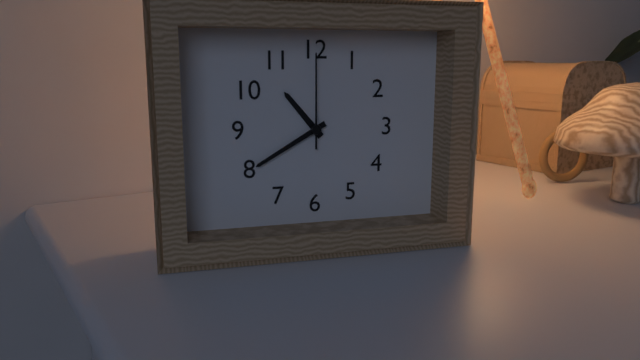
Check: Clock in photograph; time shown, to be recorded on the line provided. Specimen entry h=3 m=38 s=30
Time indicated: h=10 m=40 s=0
